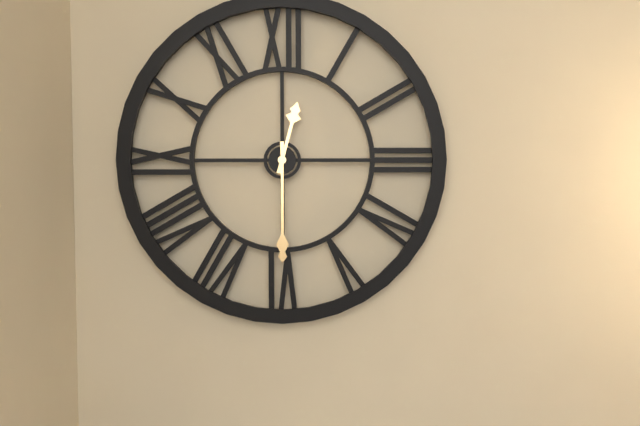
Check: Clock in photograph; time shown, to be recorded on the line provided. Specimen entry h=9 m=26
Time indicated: h=12 m=30
